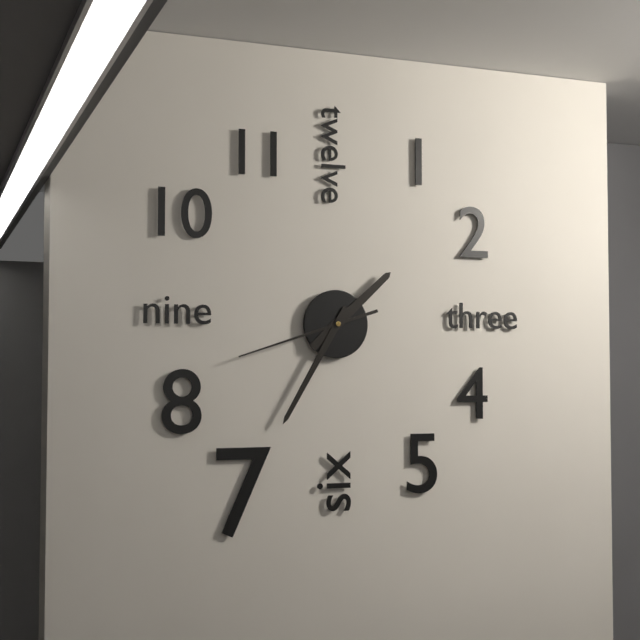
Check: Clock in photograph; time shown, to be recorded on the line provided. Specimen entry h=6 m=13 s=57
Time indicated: h=1 m=35 s=42
